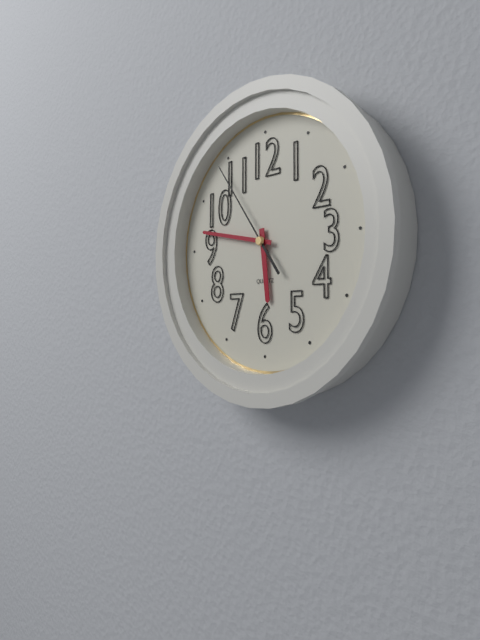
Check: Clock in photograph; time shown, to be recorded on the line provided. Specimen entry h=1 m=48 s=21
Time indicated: h=5 m=47 s=54
